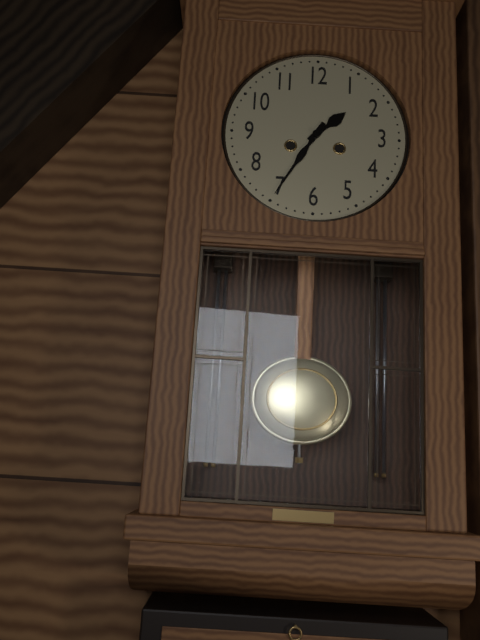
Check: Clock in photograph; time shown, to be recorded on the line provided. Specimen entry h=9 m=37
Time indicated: h=1 m=35
